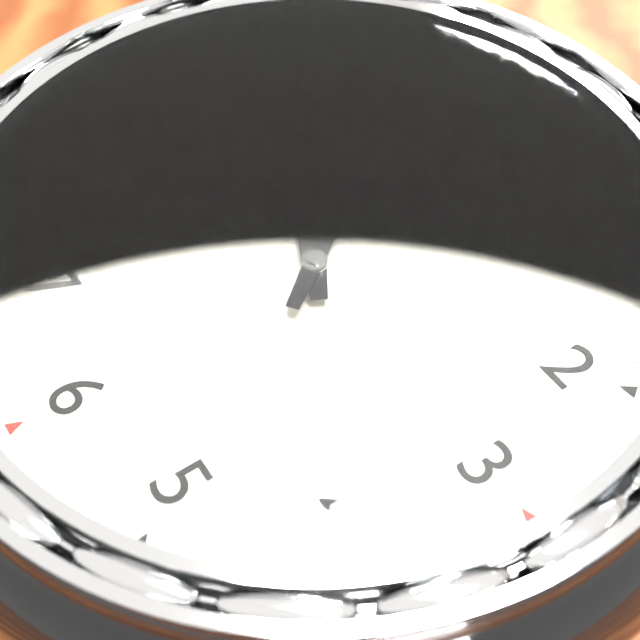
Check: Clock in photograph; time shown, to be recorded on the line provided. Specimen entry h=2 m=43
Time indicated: h=9 m=54
